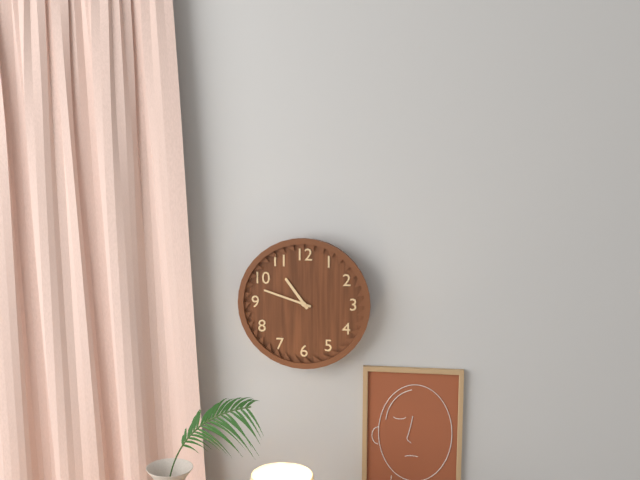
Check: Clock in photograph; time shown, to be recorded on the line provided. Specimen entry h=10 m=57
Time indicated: h=10 m=48
